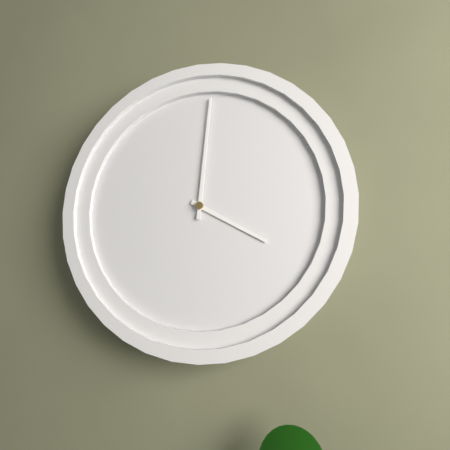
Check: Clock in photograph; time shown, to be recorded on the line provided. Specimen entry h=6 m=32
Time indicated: h=4 m=1
